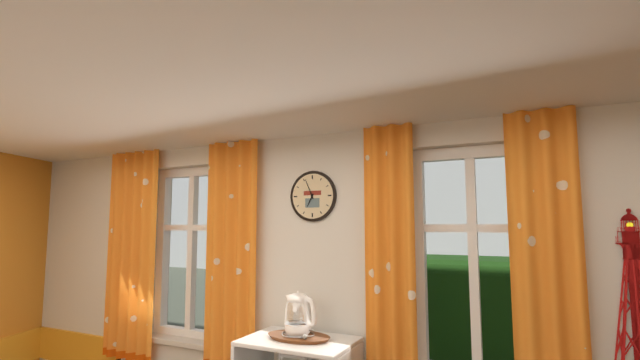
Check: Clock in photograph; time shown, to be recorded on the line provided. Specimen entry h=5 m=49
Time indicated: h=6 m=56
